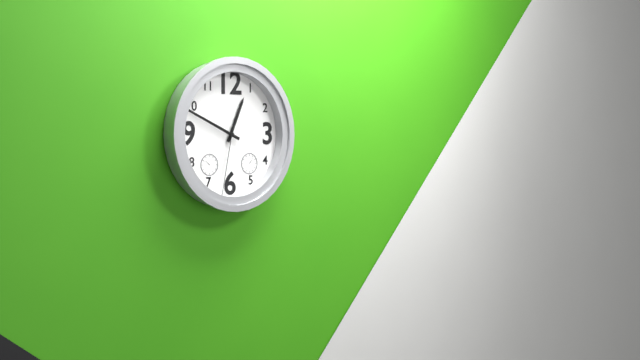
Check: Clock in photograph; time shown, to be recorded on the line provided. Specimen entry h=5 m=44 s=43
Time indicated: h=12 m=49 s=32
